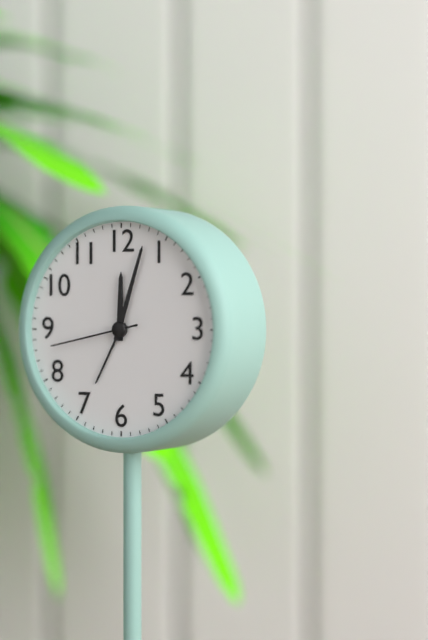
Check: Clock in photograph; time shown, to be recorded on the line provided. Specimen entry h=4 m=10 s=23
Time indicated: h=12 m=3 s=43
